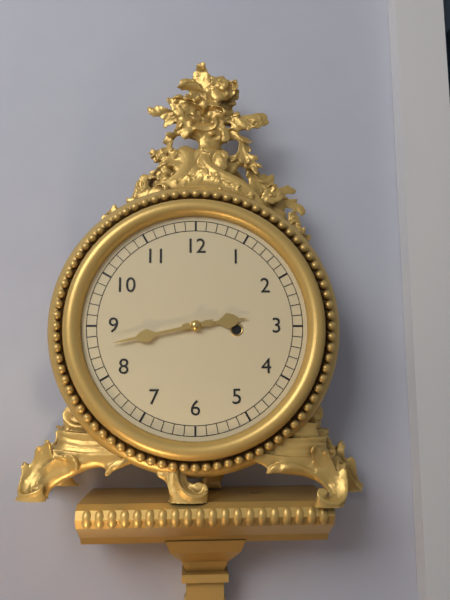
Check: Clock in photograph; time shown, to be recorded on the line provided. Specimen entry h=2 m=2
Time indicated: h=2 m=43
